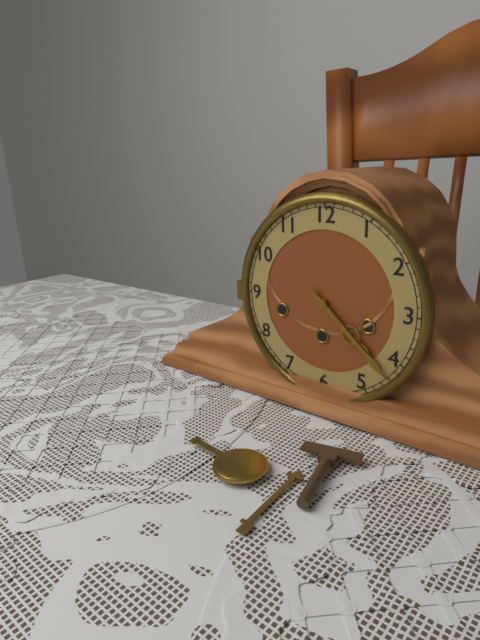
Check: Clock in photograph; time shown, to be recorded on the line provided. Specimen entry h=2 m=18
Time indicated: h=4 m=22
